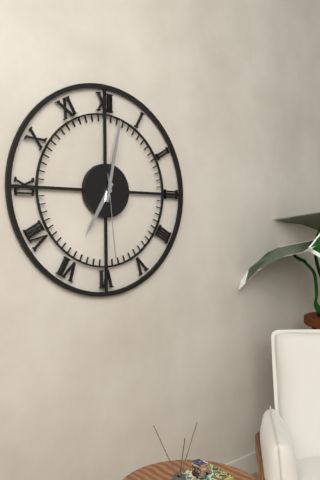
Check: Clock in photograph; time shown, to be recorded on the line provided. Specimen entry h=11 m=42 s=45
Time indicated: h=7 m=2 s=29
